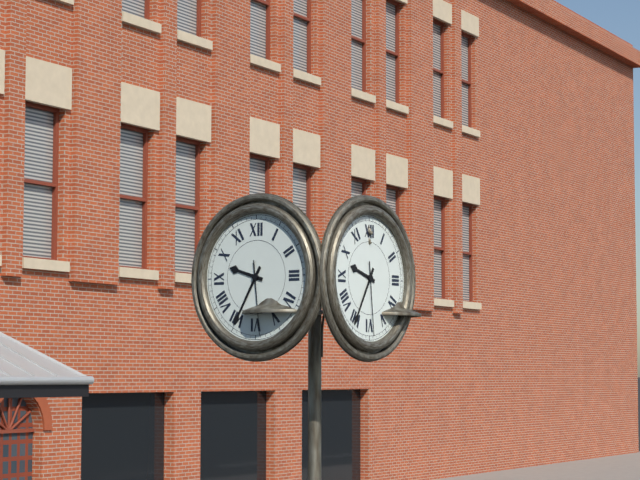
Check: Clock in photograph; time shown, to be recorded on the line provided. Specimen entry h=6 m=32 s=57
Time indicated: h=9 m=35 s=29
